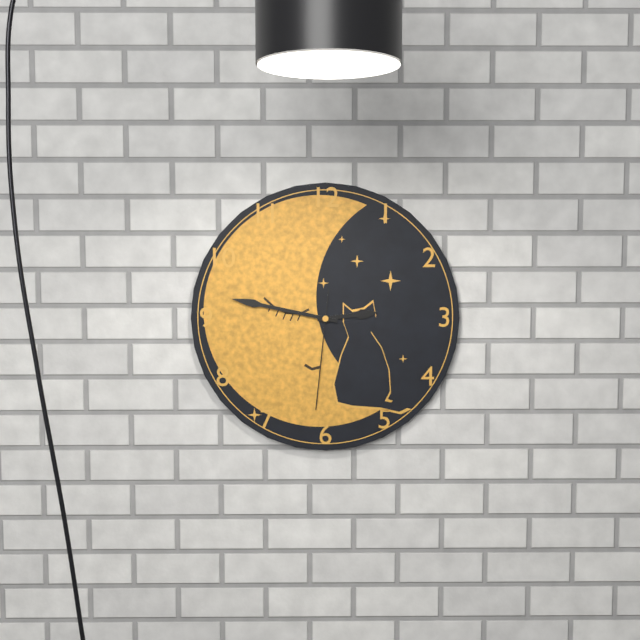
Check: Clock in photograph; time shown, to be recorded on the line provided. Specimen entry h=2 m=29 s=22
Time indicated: h=2 m=47 s=31
